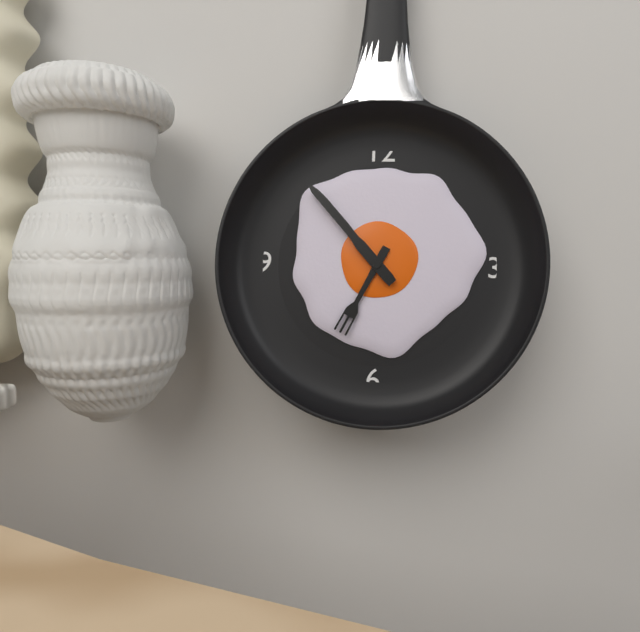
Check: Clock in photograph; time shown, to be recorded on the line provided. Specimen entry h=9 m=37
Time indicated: h=6 m=53
